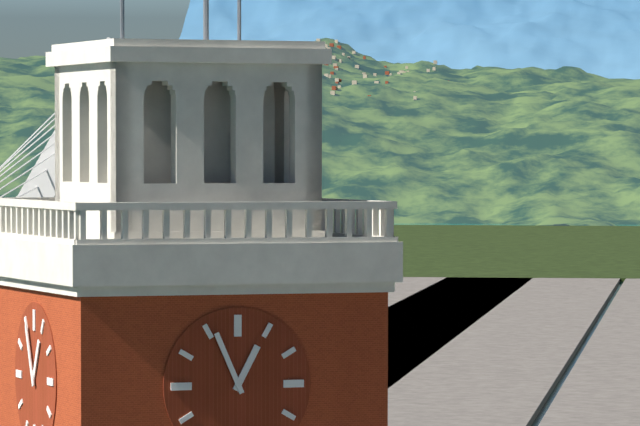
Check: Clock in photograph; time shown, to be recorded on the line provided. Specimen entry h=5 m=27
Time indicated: h=12 m=56
